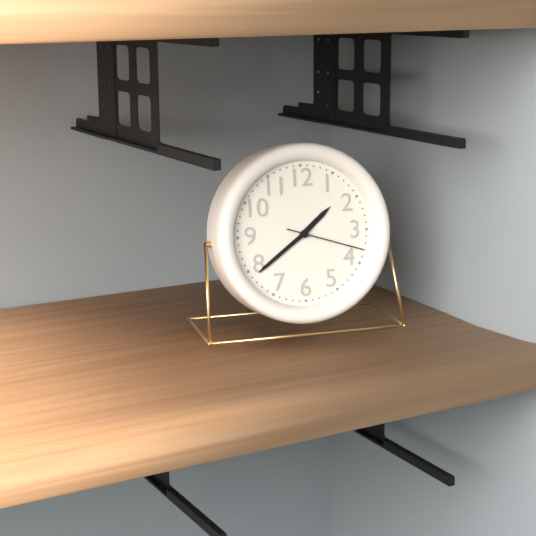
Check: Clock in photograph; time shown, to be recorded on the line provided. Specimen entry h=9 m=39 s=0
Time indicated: h=1 m=39 s=18
